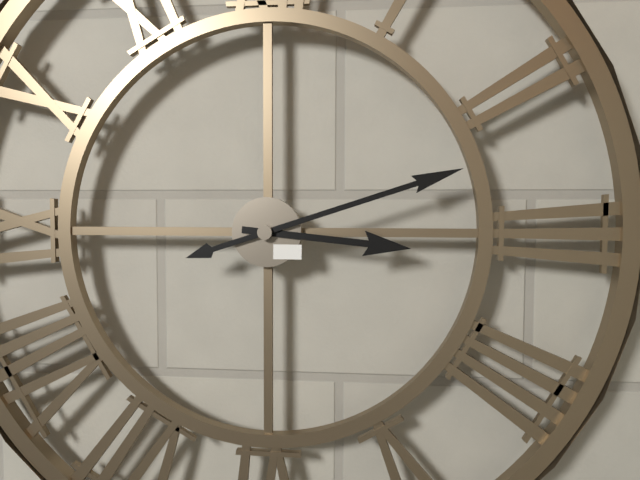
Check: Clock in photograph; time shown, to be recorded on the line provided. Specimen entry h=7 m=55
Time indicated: h=3 m=12
